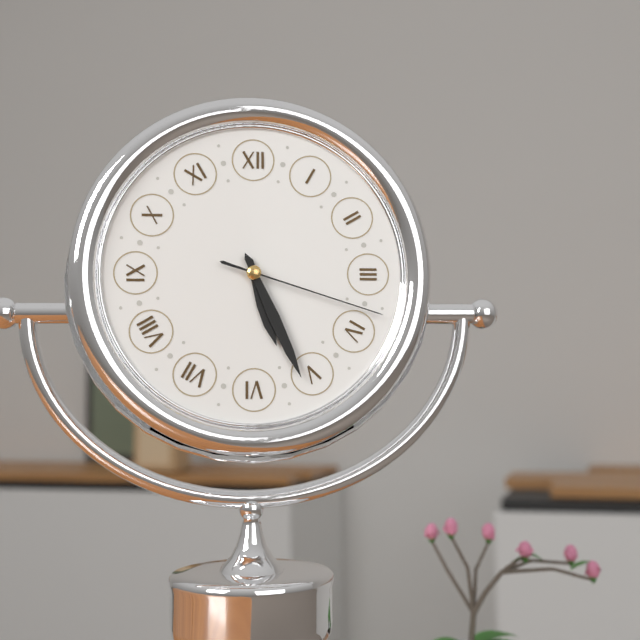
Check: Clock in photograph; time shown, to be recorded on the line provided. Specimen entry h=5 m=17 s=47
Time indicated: h=5 m=26 s=18
